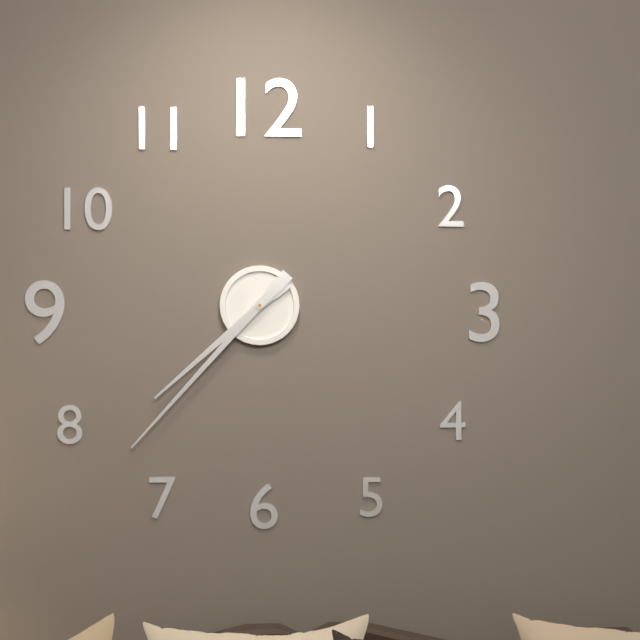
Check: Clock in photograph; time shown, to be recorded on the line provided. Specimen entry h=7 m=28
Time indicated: h=7 m=37
